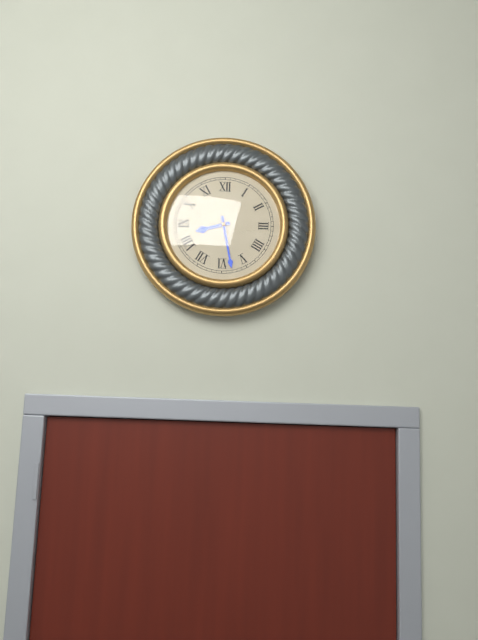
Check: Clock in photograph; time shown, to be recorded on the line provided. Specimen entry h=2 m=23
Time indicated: h=8 m=28
